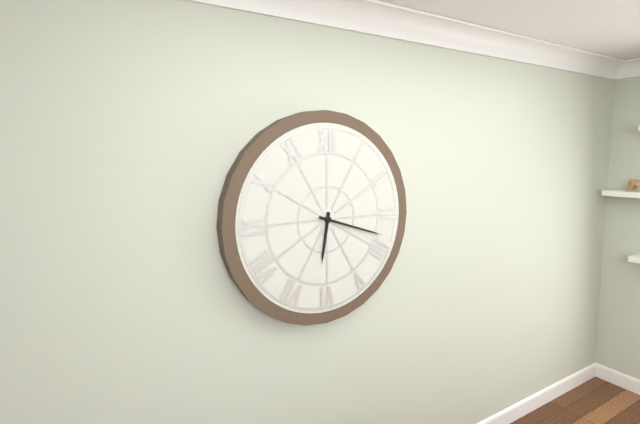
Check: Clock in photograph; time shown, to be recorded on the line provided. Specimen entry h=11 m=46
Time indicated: h=6 m=18
